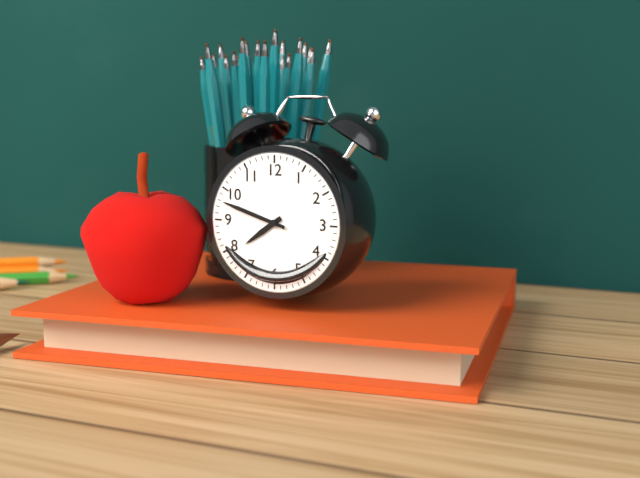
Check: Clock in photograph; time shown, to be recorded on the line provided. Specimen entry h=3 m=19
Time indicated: h=7 m=48
